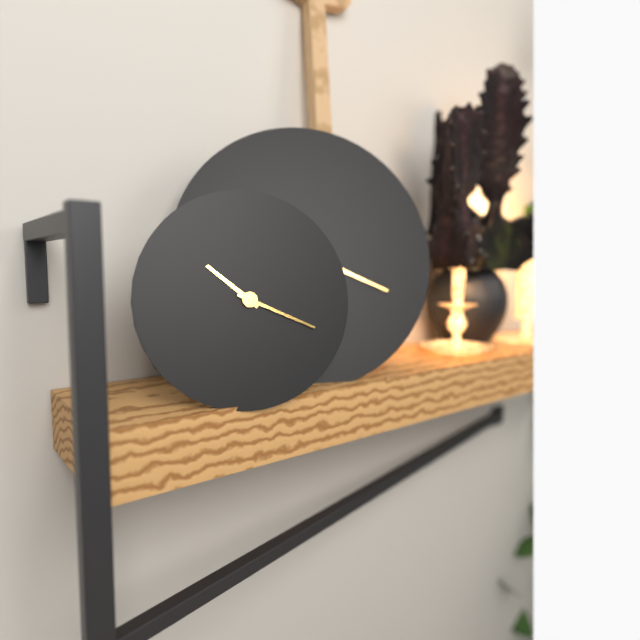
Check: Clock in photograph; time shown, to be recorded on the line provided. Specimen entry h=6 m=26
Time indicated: h=10 m=19
